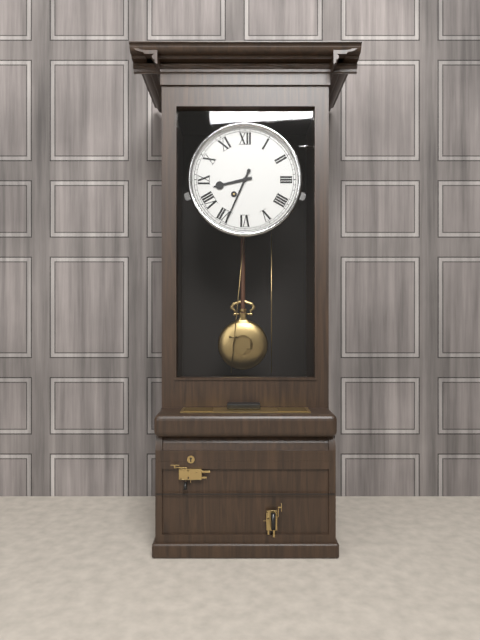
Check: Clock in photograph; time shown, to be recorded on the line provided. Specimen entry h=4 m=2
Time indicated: h=8 m=34
